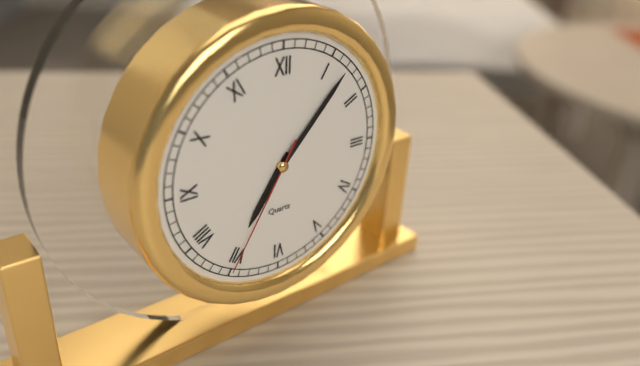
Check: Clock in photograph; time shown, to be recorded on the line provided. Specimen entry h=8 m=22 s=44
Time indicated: h=7 m=7 s=35
